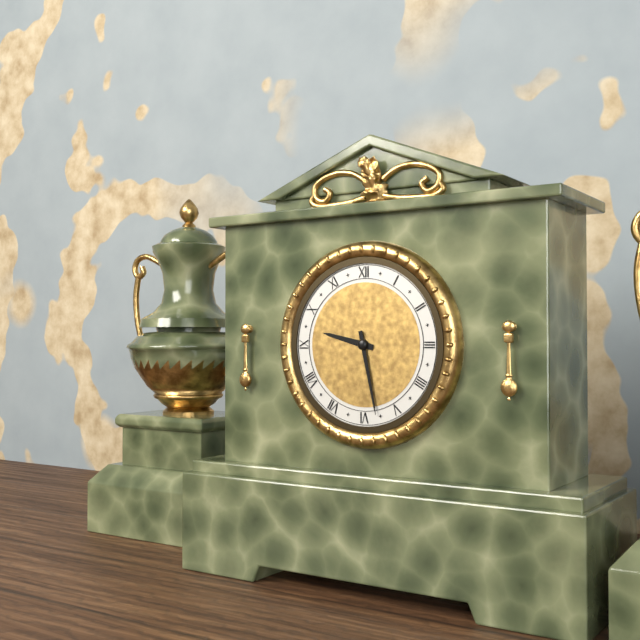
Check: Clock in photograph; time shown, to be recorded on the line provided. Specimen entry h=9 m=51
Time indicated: h=9 m=28
